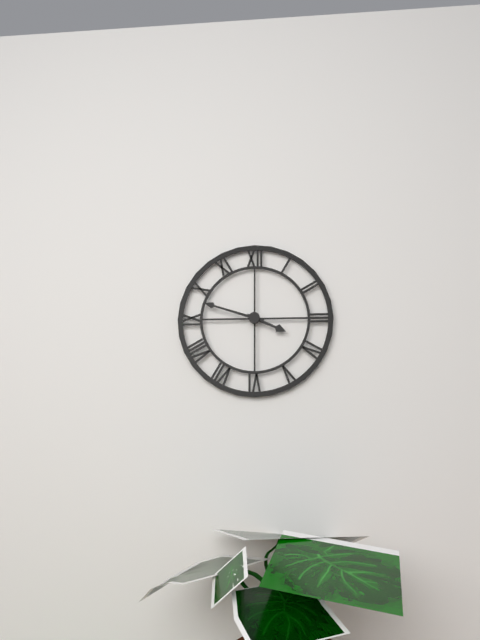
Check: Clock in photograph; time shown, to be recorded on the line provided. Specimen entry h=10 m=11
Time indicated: h=3 m=48
